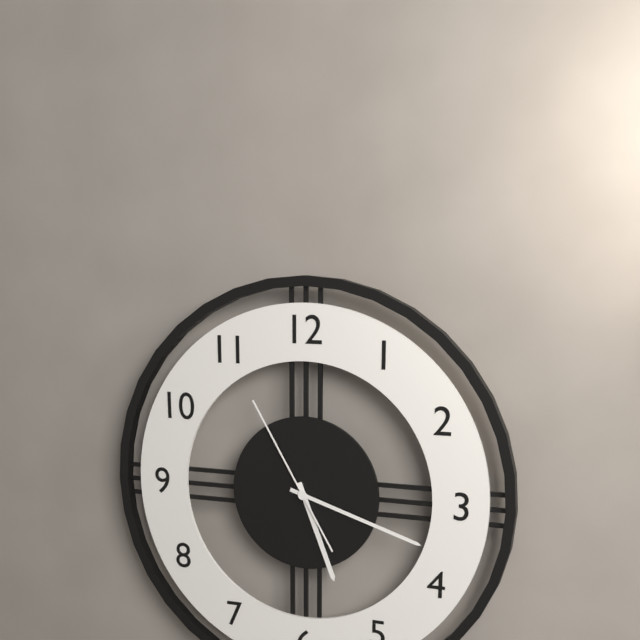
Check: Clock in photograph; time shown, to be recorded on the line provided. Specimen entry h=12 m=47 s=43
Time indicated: h=5 m=18 s=55
